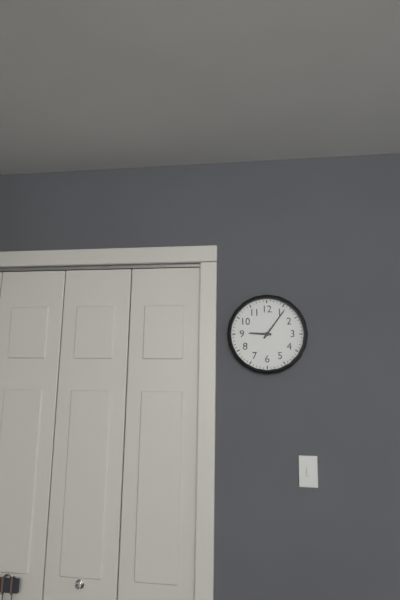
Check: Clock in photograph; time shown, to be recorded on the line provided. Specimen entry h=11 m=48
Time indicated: h=9 m=6
